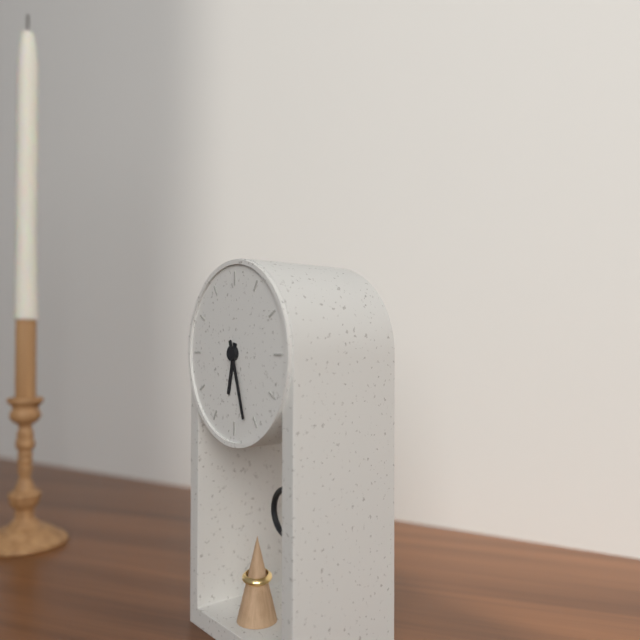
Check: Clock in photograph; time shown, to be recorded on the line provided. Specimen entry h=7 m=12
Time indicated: h=6 m=27
